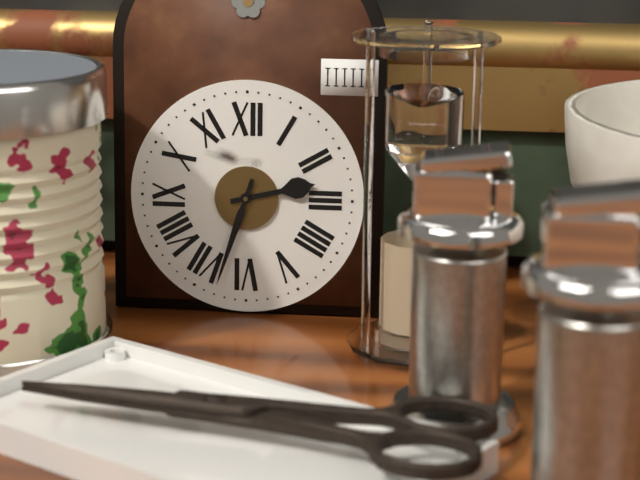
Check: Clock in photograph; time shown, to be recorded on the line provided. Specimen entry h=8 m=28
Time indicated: h=2 m=33
